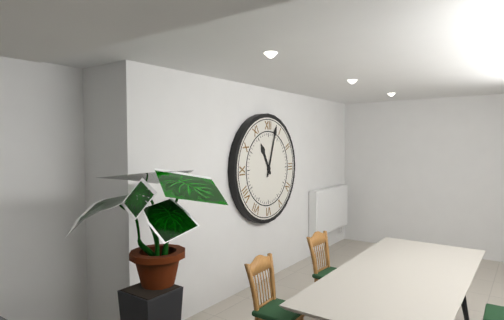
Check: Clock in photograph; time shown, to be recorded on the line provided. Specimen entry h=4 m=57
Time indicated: h=11 m=3
